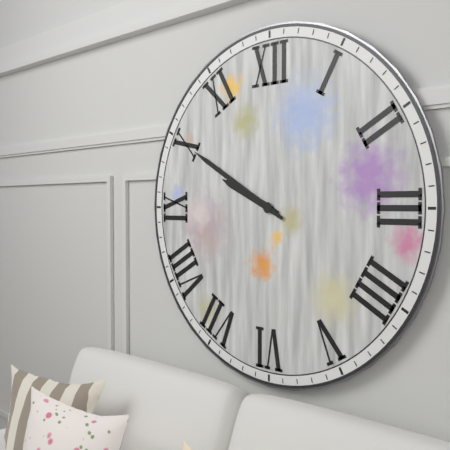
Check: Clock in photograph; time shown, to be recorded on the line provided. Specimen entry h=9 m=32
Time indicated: h=9 m=50
